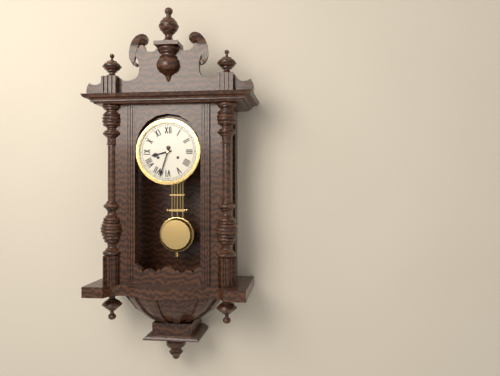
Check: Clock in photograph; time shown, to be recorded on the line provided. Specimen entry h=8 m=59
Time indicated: h=8 m=33
